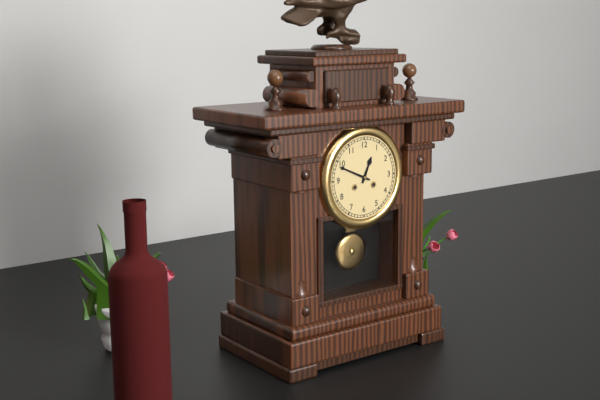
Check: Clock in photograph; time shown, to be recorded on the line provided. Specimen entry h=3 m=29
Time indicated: h=12 m=49
